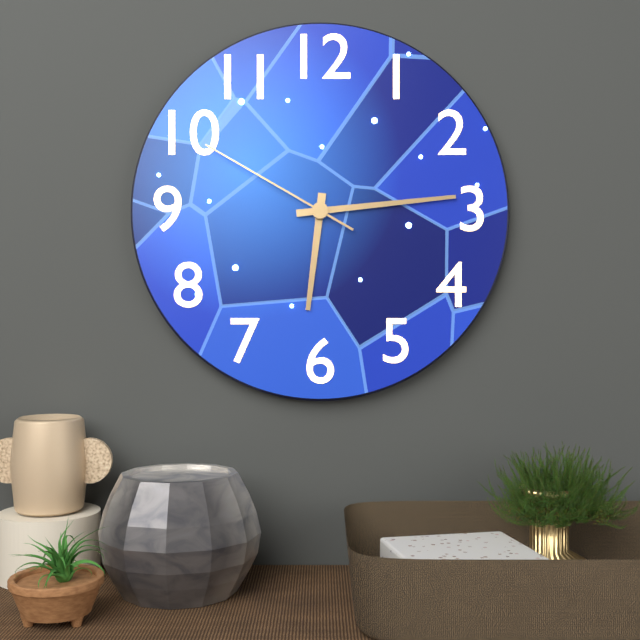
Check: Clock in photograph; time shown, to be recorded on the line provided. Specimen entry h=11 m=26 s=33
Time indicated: h=6 m=14 s=50
